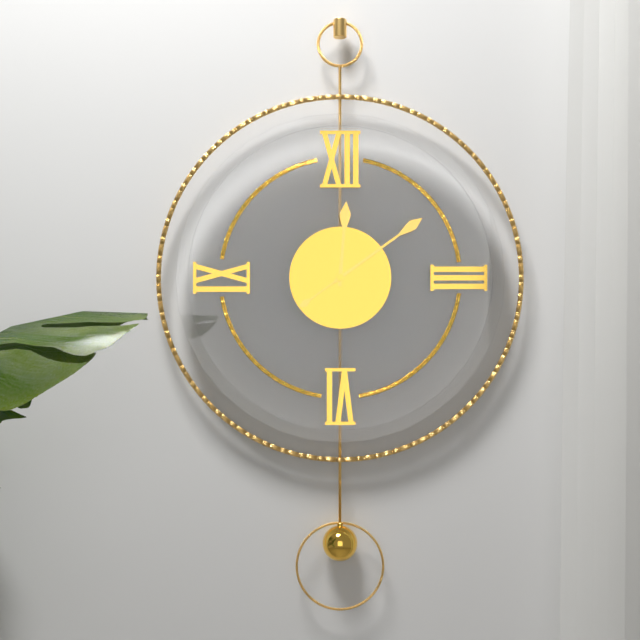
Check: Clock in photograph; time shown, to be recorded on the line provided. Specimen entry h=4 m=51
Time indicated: h=12 m=9
